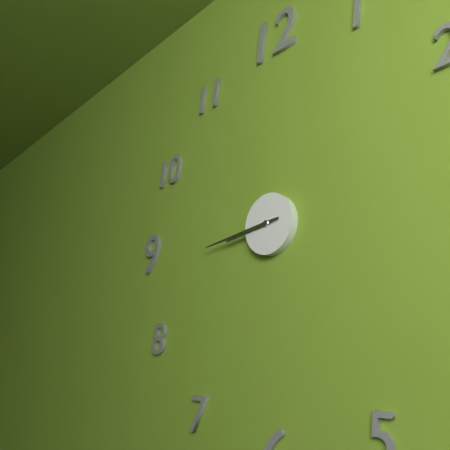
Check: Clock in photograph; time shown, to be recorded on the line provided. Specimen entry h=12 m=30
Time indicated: h=8 m=44
